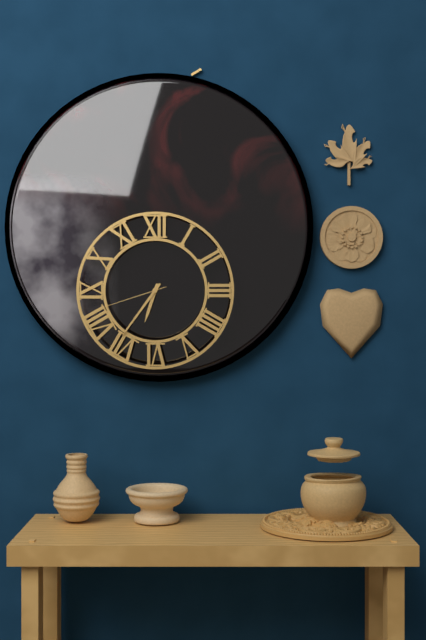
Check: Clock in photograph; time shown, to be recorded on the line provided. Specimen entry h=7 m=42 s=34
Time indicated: h=6 m=36 s=42
